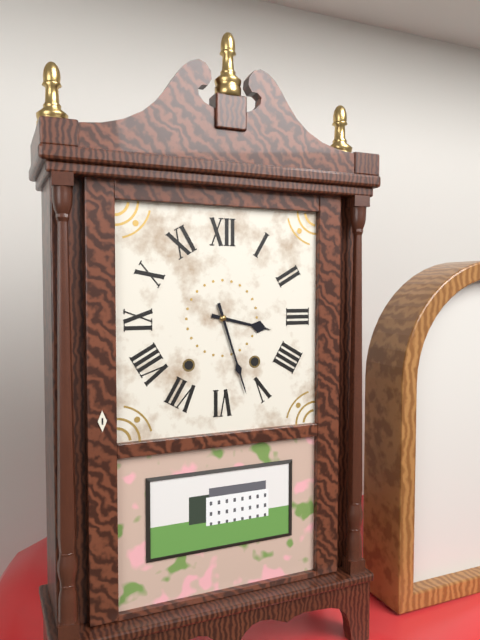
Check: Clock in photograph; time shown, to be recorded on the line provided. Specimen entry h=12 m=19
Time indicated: h=3 m=27
